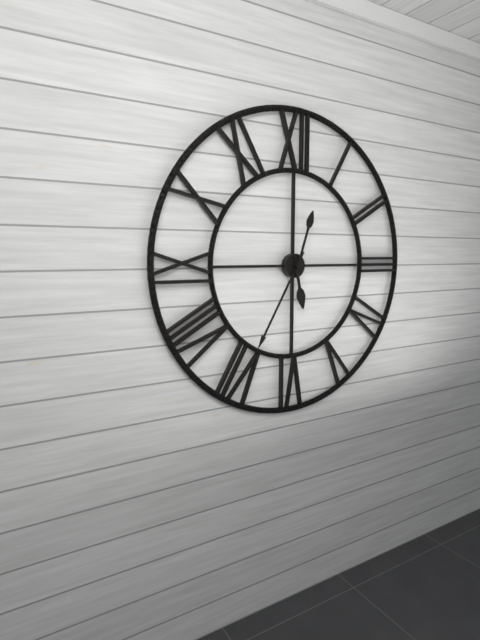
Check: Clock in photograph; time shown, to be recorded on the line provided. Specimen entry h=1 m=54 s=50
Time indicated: h=5 m=35 s=3
